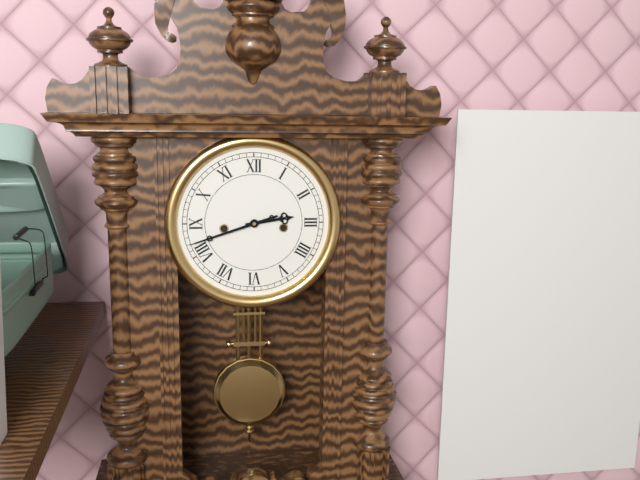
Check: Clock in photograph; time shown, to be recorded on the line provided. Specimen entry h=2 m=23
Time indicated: h=2 m=42
